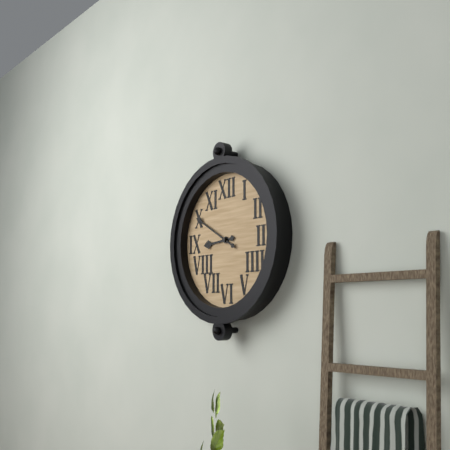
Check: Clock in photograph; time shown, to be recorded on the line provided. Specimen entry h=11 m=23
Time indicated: h=8 m=50
